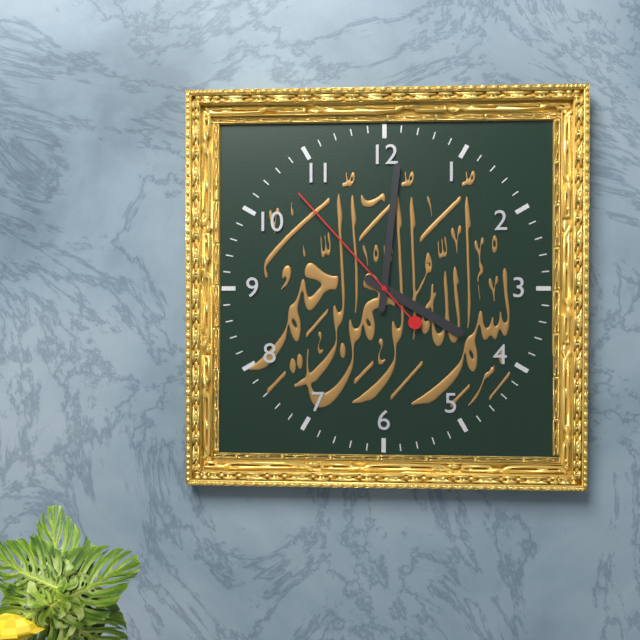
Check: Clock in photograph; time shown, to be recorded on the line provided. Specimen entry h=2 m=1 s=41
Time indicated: h=4 m=1 s=53
